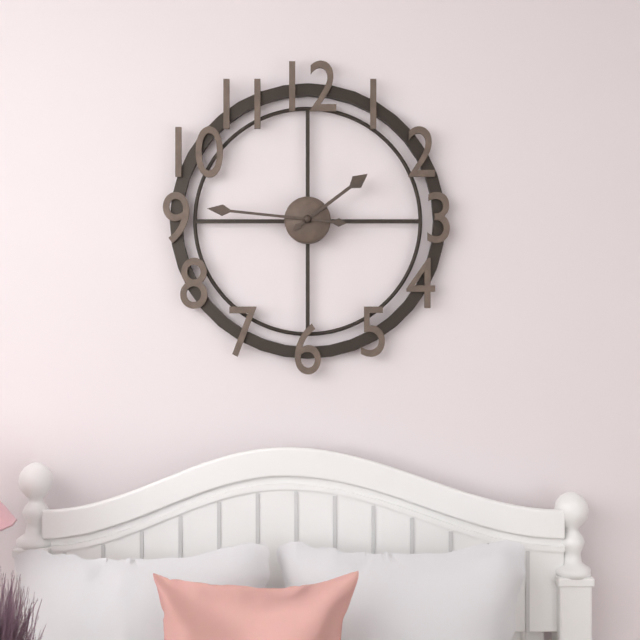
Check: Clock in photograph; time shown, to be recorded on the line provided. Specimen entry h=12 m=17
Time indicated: h=1 m=46
